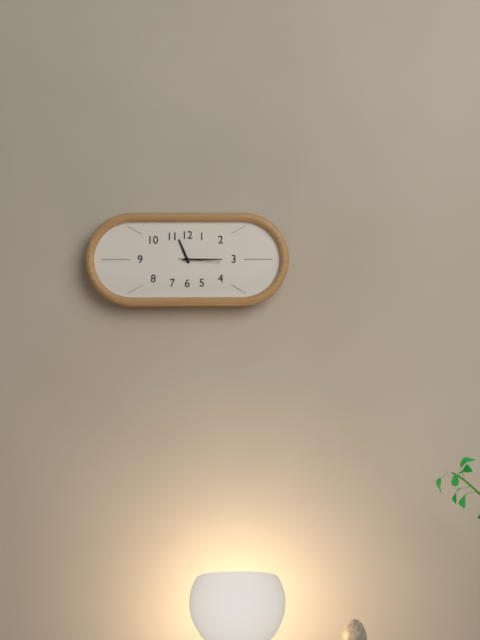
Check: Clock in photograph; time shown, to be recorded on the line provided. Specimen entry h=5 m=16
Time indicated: h=11 m=15
